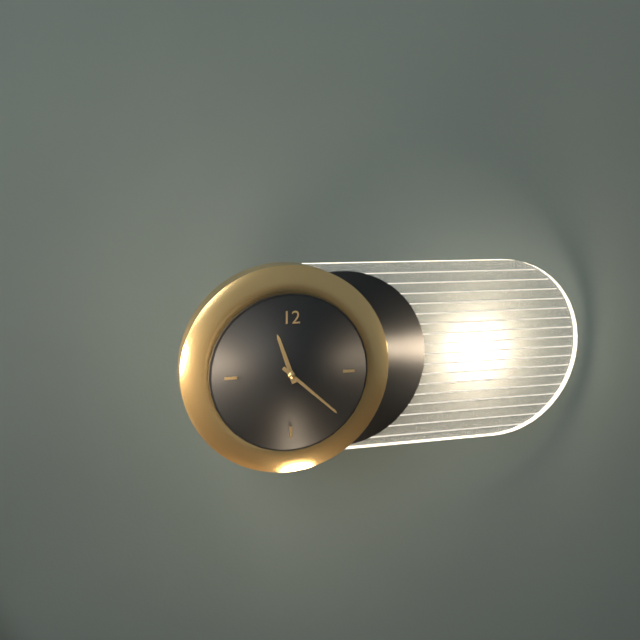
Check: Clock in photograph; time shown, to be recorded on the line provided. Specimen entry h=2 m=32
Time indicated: h=11 m=22
